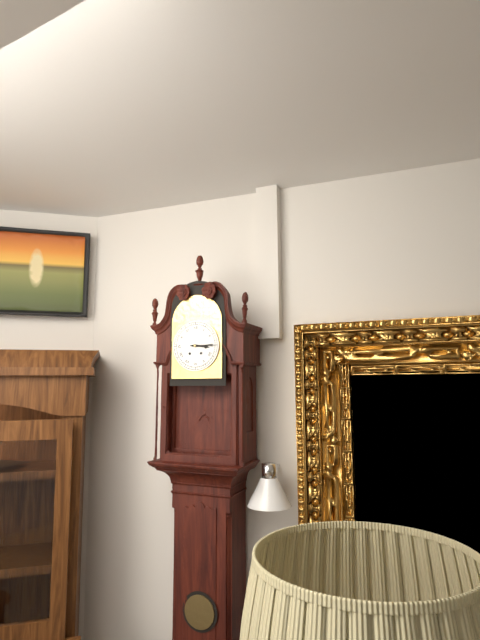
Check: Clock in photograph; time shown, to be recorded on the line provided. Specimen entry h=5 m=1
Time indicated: h=3 m=15
